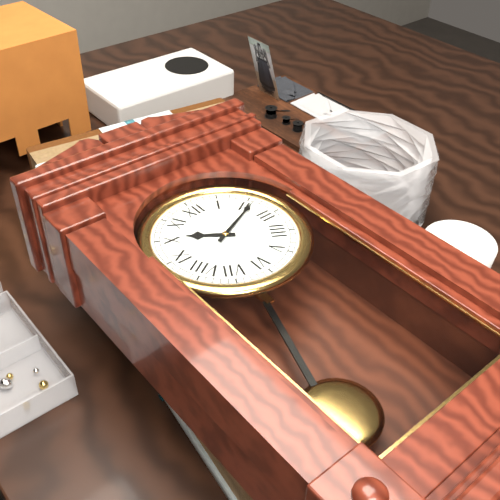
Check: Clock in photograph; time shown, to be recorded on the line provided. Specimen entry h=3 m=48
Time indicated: h=10 m=11
